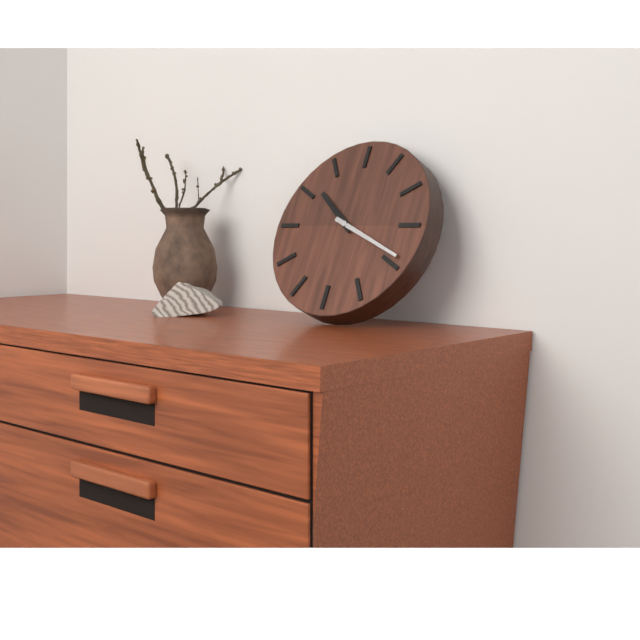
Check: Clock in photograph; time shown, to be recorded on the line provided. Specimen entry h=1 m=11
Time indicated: h=10 m=19
